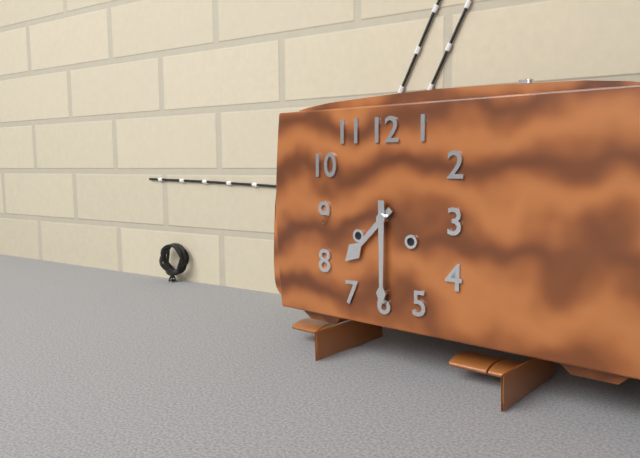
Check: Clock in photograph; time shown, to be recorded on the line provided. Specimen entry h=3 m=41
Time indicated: h=7 m=30
